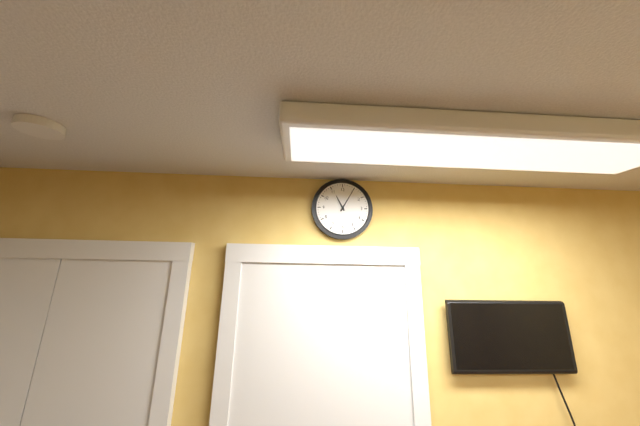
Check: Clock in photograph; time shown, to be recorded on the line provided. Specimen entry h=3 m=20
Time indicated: h=11 m=5
